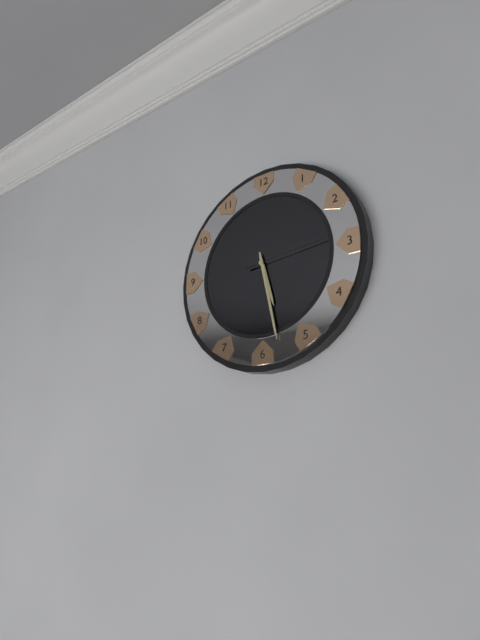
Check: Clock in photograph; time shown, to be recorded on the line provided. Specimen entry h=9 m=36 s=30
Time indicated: h=5 m=28 s=14
